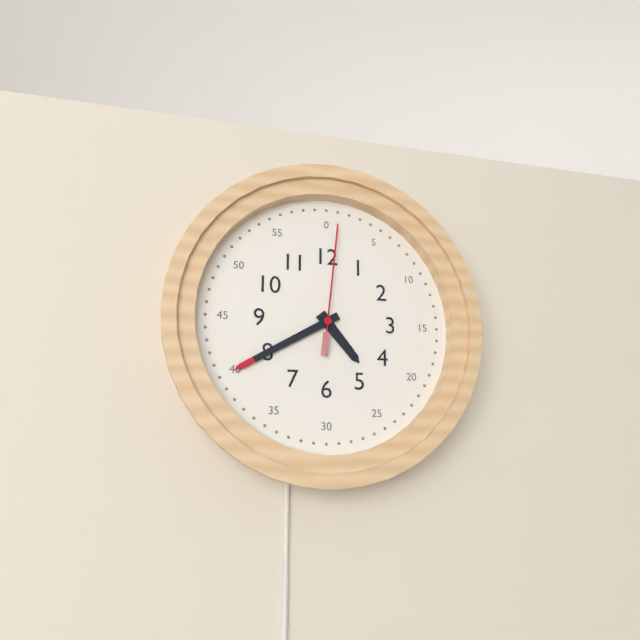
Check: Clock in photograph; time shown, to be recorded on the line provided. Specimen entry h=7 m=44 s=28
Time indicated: h=4 m=40 s=1
